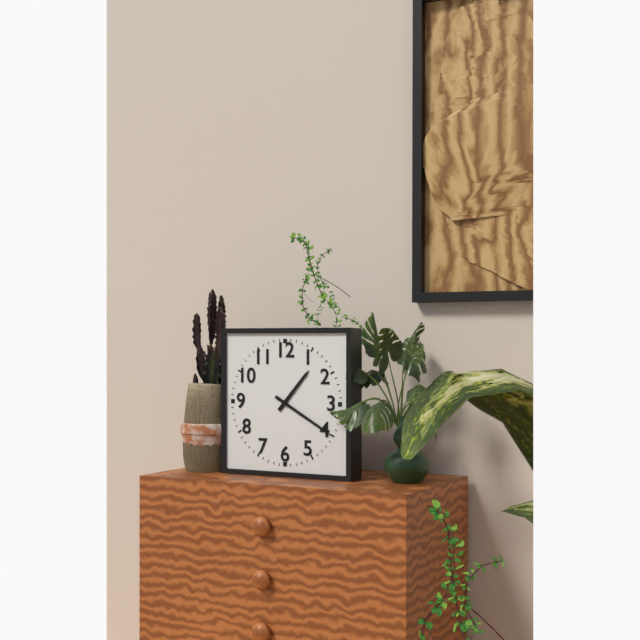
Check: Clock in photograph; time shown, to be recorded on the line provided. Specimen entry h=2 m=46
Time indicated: h=1 m=20
